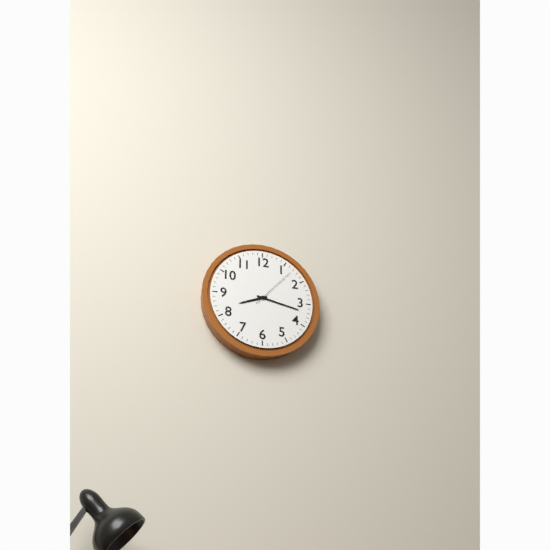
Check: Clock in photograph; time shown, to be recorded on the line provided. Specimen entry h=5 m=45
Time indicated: h=8 m=17
